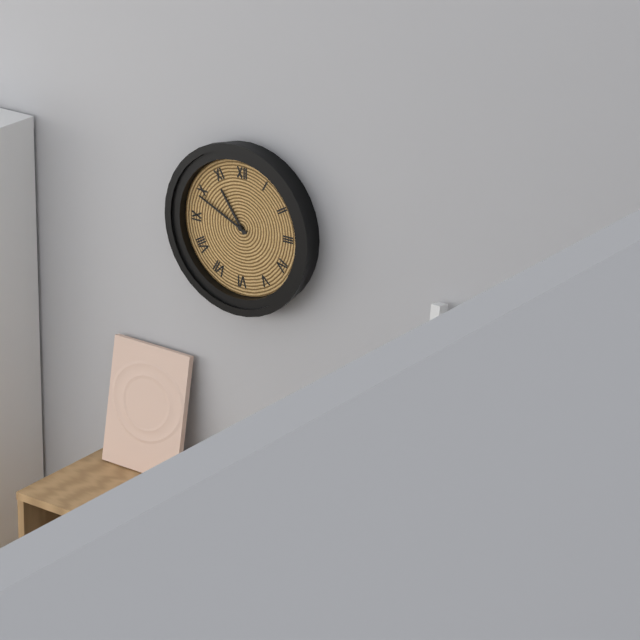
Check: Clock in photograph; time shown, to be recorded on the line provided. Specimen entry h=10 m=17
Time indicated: h=10 m=49
